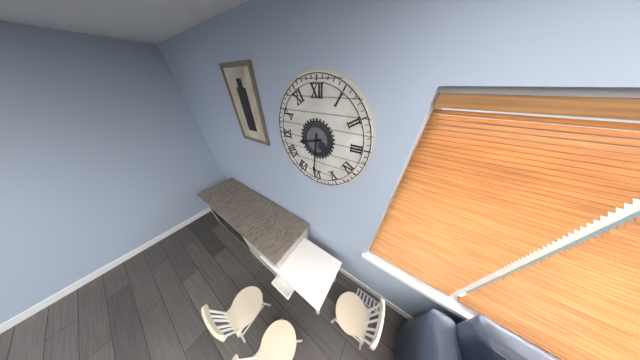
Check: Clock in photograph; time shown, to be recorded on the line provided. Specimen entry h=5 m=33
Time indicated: h=8 m=31
